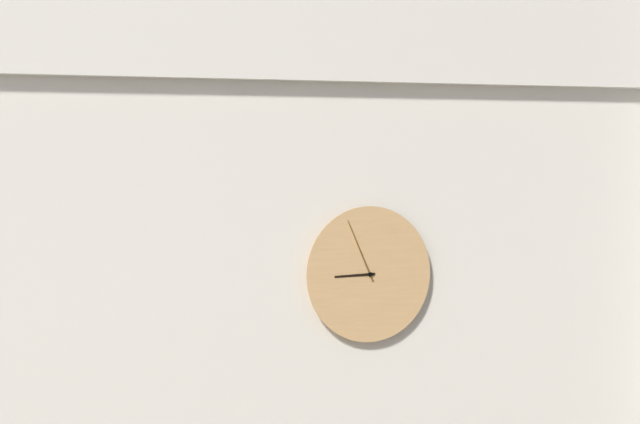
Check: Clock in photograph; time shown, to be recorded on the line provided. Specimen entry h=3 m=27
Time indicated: h=8 m=56
